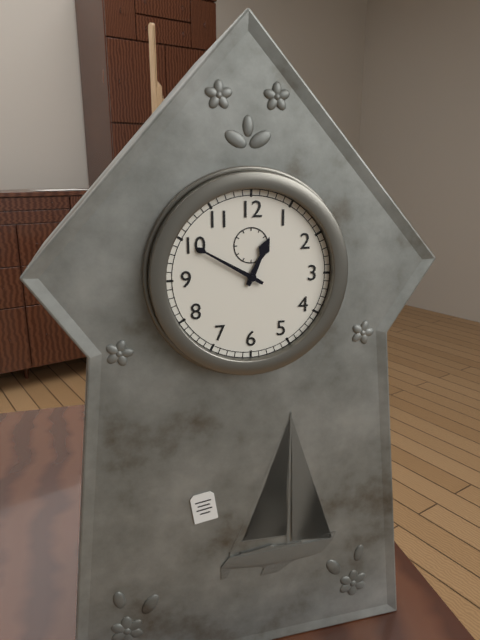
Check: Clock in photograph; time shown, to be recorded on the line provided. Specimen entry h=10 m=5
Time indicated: h=12 m=50
